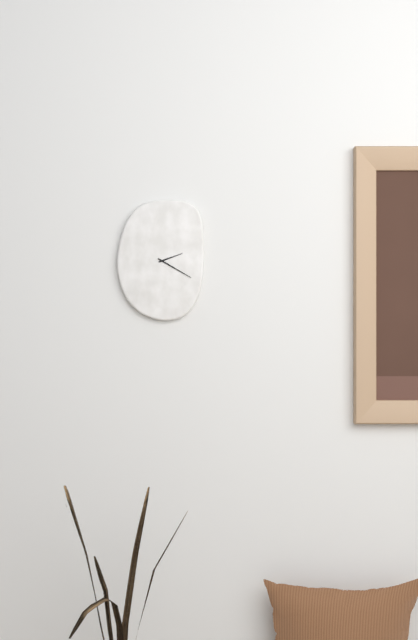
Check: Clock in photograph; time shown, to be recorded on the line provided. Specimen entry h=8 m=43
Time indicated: h=2 m=20
